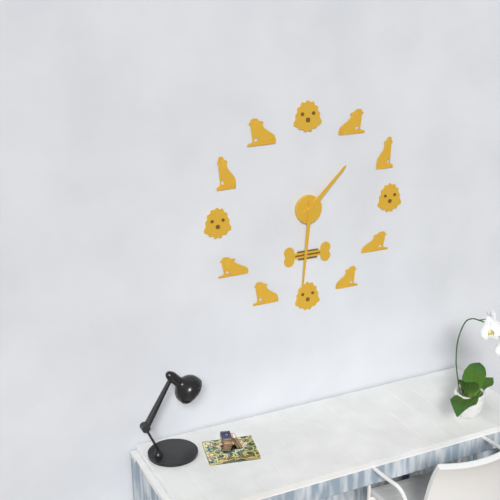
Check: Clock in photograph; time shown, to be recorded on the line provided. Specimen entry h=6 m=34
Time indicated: h=1 m=31
